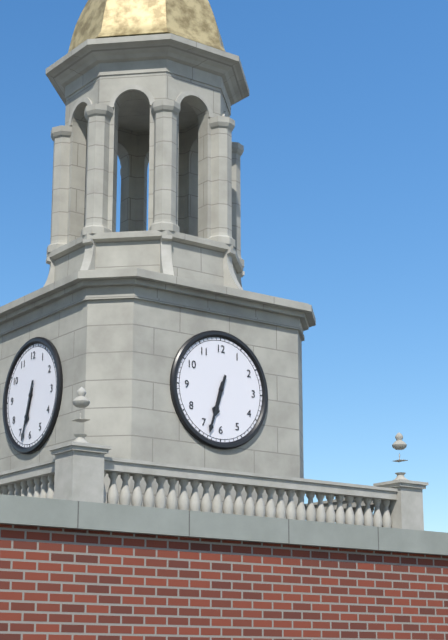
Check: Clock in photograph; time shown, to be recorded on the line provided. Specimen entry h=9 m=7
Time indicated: h=6 m=33
